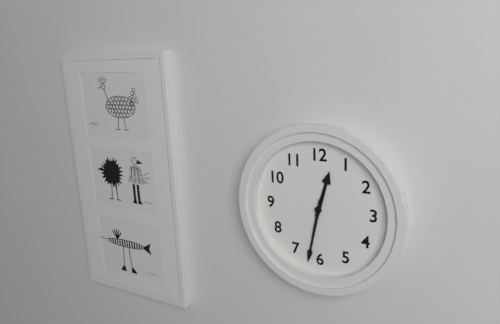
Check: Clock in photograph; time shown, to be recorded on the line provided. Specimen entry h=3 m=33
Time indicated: h=12 m=32
